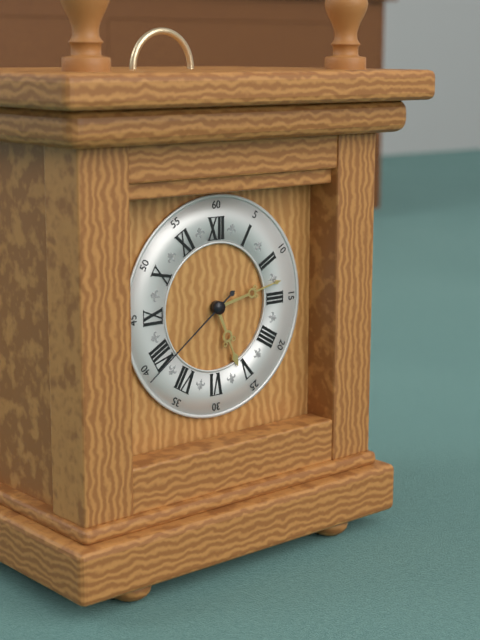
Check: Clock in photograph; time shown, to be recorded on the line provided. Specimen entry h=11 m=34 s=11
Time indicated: h=5 m=13 s=39
